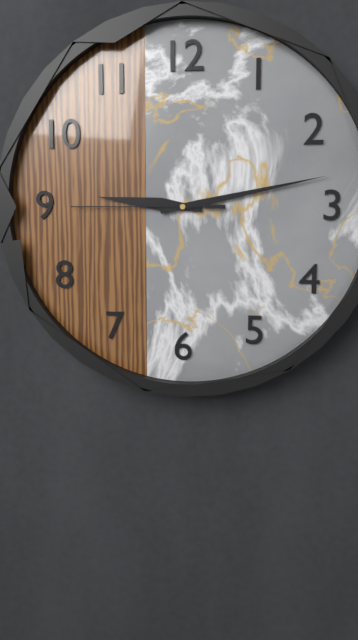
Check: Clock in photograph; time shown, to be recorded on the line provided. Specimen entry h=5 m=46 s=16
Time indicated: h=9 m=13 s=45
